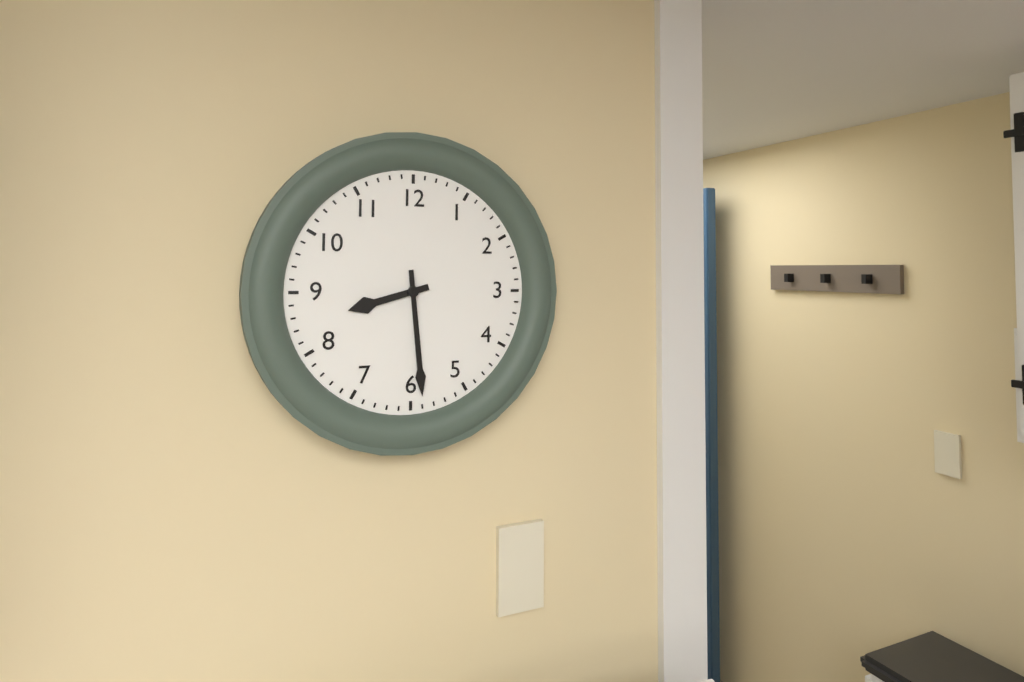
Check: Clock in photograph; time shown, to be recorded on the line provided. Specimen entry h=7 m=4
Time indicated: h=8 m=29
